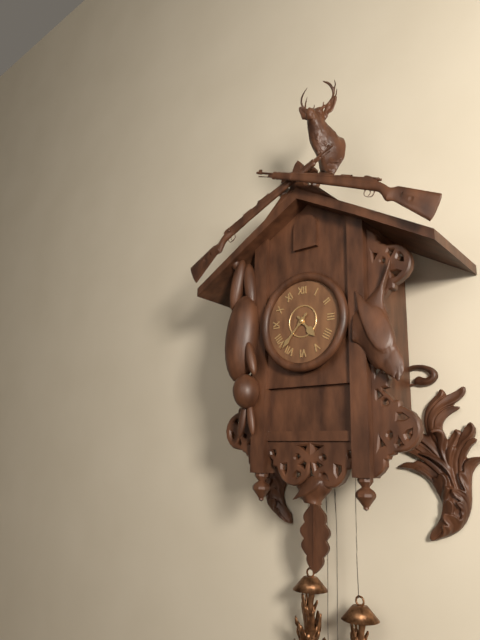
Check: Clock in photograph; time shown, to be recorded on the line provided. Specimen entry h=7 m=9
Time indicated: h=4 m=37
